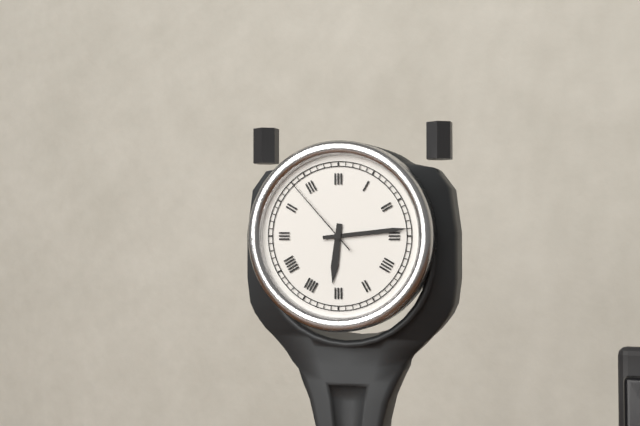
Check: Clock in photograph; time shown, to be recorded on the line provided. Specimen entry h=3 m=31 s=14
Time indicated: h=6 m=14 s=53
